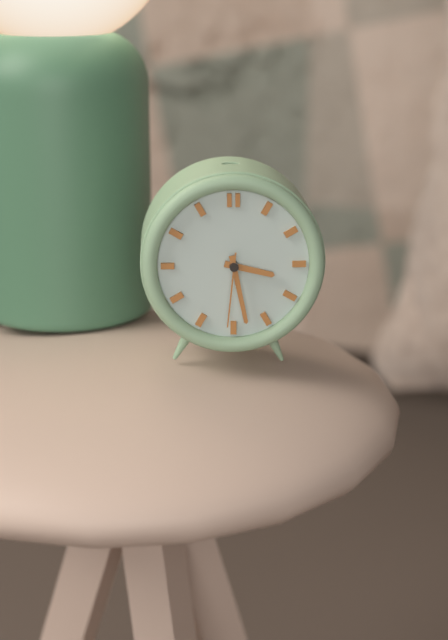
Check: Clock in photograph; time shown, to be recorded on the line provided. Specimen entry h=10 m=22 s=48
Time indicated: h=3 m=28 s=31
